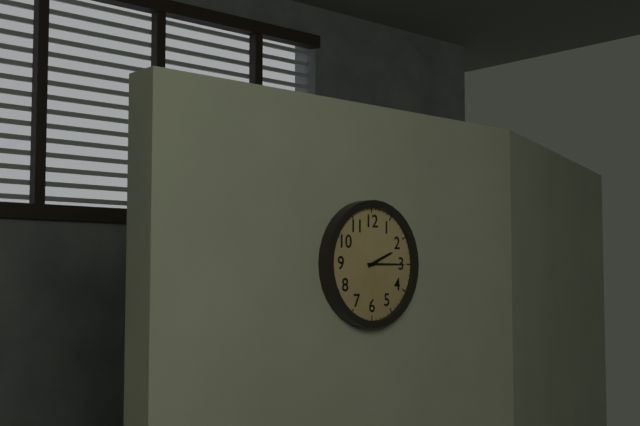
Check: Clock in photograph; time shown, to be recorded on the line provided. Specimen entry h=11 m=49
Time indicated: h=2 m=15
